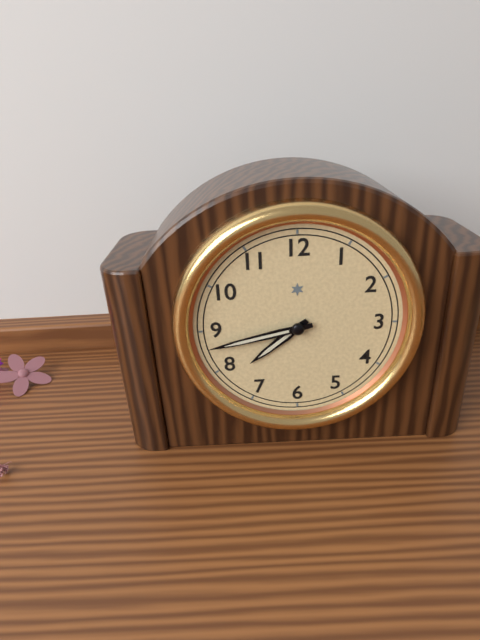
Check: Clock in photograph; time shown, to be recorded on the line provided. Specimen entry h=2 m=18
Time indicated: h=7 m=43
